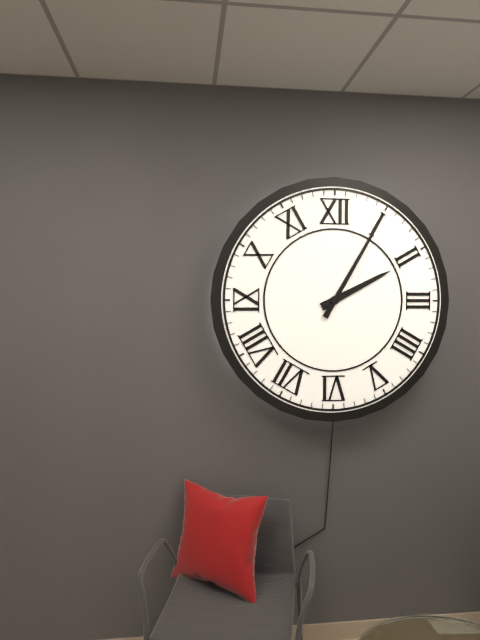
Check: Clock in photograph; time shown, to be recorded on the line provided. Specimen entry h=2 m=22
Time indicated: h=2 m=5
